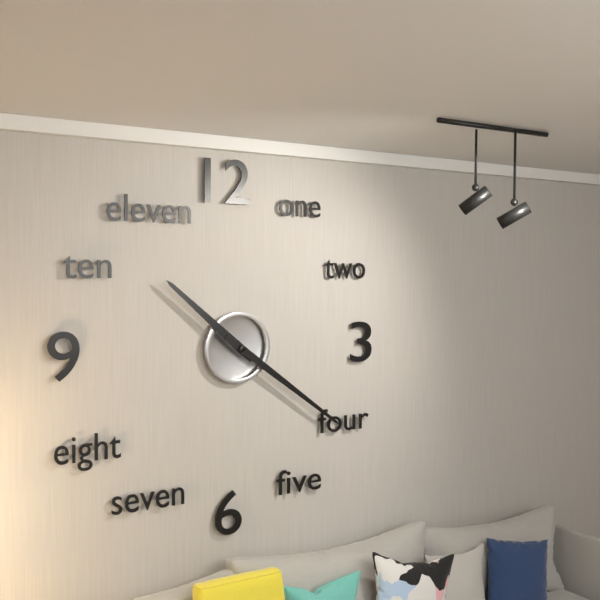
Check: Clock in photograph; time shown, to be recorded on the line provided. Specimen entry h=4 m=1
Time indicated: h=10 m=21
